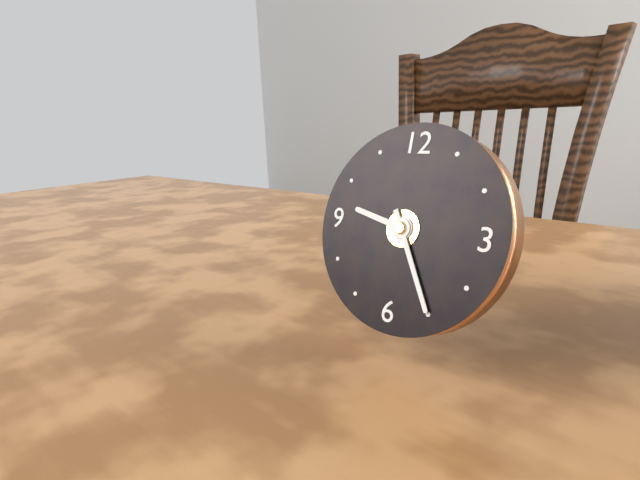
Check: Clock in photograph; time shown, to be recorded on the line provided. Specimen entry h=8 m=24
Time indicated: h=9 m=25
